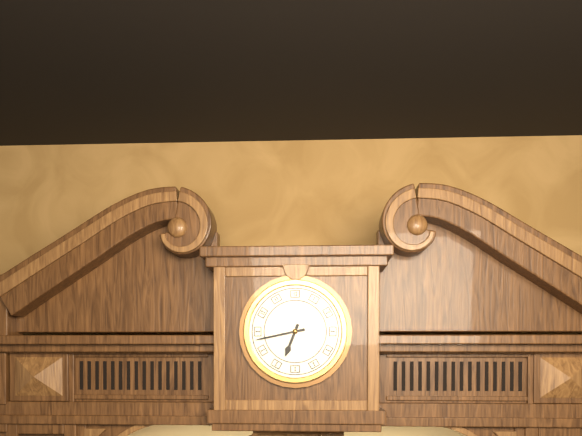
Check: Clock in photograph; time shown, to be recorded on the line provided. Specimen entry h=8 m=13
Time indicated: h=6 m=43
